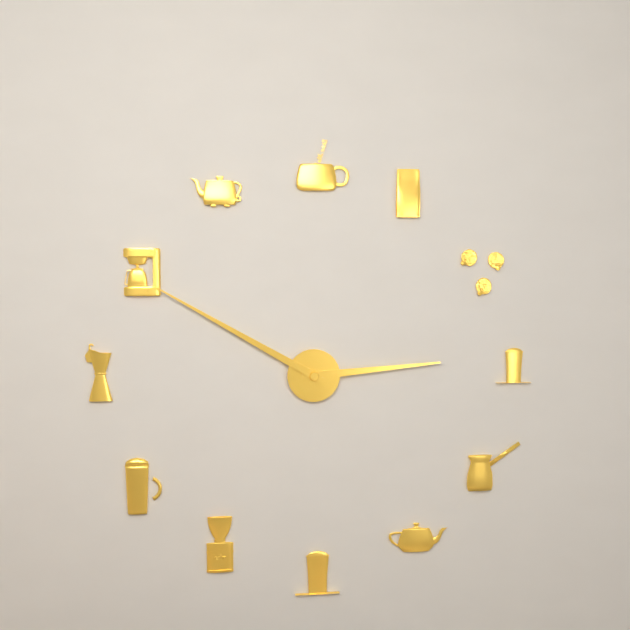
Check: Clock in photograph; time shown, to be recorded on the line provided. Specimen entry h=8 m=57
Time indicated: h=2 m=50
